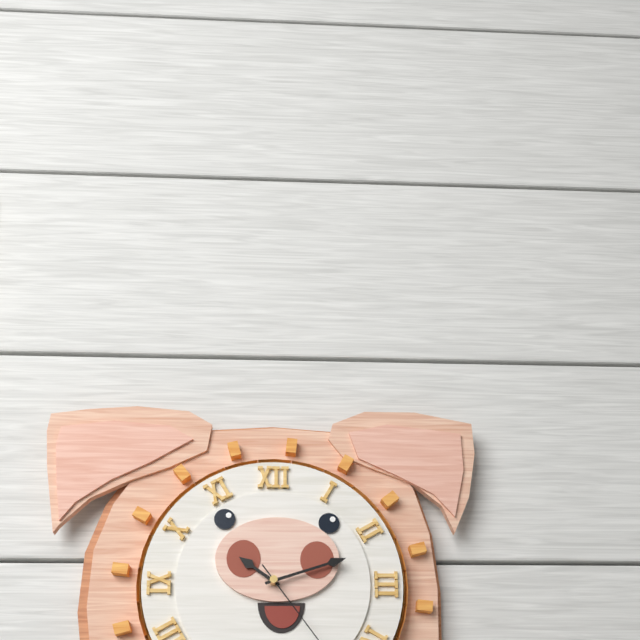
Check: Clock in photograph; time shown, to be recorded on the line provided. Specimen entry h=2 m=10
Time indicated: h=10 m=12
